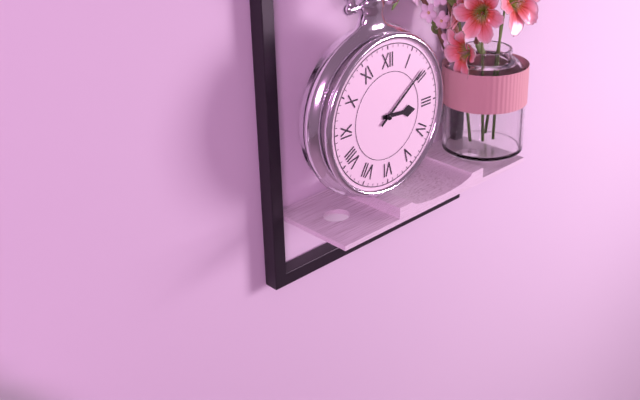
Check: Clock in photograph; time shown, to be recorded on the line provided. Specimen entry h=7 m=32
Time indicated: h=3 m=9
